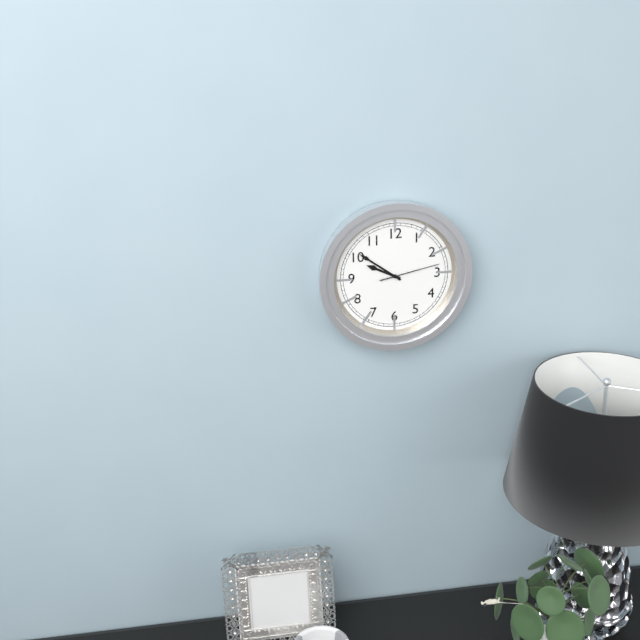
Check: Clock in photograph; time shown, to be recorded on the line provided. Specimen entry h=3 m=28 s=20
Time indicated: h=9 m=51 s=13
